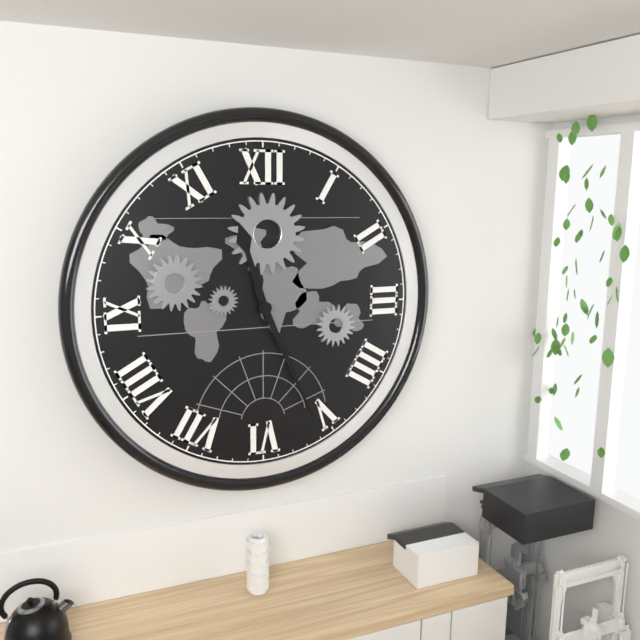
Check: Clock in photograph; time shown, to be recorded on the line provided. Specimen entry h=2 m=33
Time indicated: h=11 m=26
